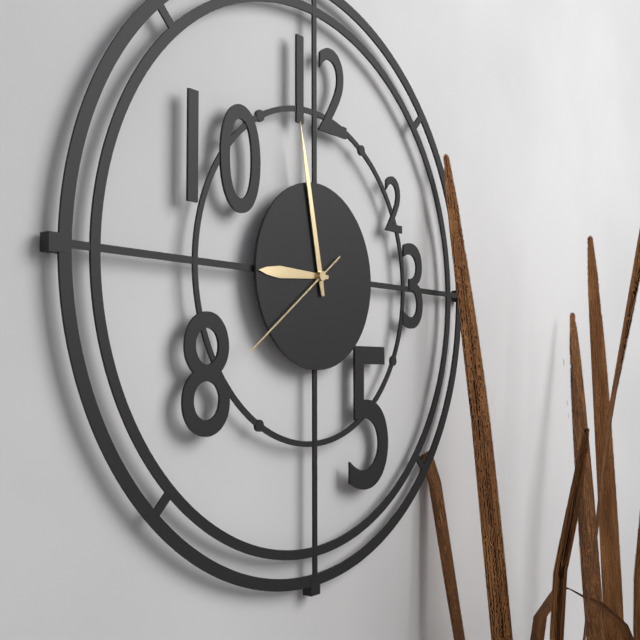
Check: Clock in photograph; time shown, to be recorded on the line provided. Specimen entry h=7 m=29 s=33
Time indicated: h=8 m=58 s=39
